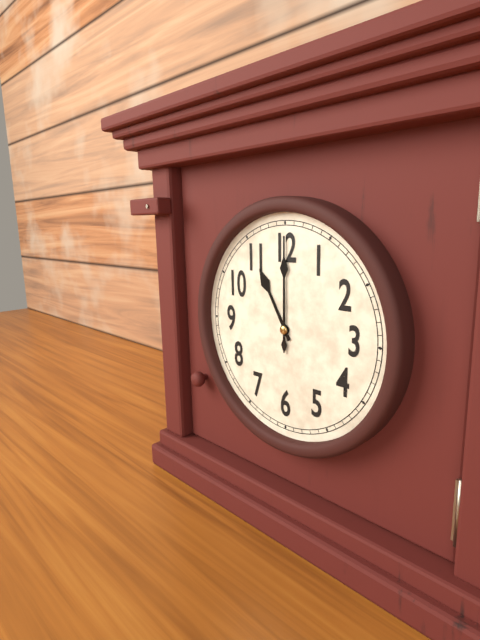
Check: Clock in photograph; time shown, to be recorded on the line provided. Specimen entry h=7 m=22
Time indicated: h=11 m=0
